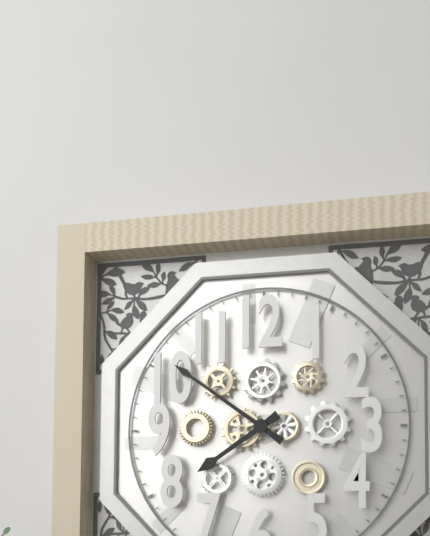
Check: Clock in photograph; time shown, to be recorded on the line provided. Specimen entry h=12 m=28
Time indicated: h=7 m=51
